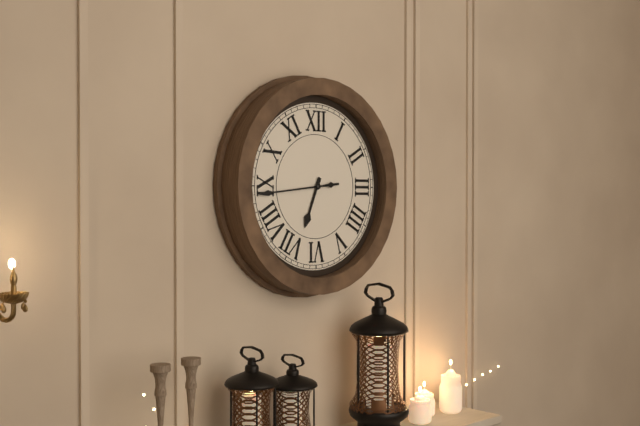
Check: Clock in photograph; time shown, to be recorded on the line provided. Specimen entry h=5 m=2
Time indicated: h=6 m=44
